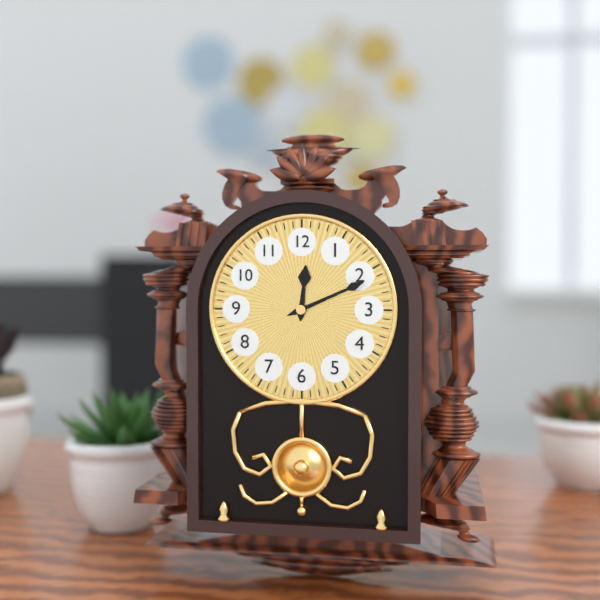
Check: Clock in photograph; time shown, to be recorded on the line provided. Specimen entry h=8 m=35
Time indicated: h=12 m=11
